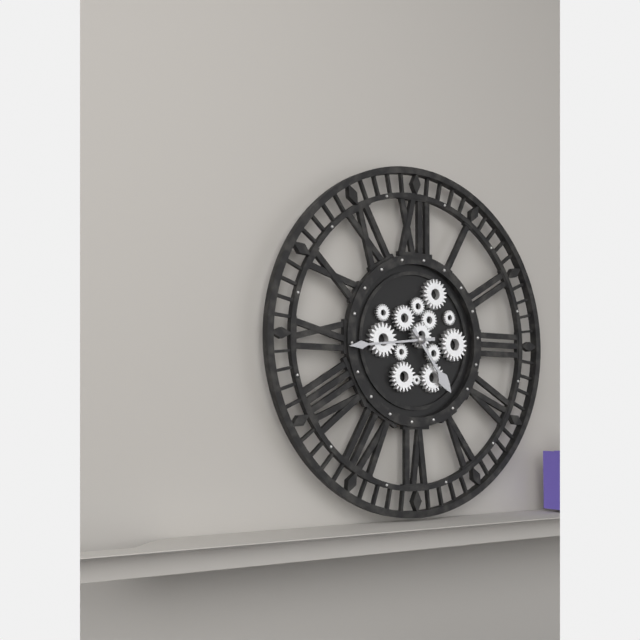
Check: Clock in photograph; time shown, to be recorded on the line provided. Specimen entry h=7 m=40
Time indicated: h=4 m=44
